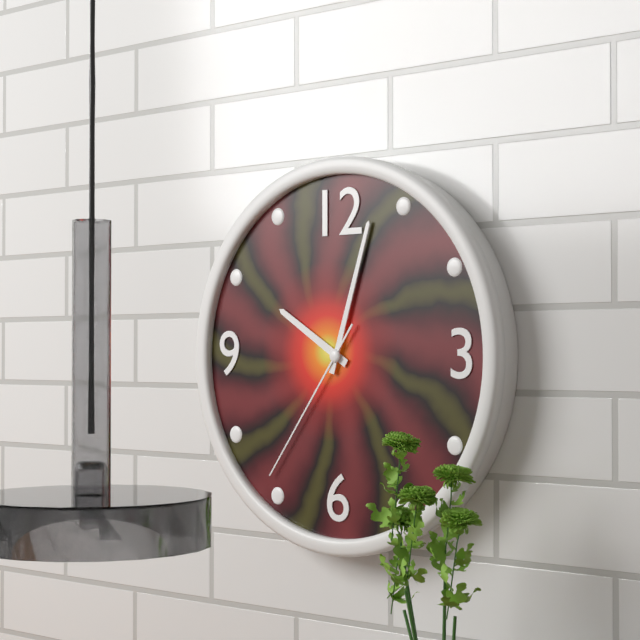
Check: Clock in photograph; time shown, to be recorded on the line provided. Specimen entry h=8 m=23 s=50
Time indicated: h=10 m=3 s=36
